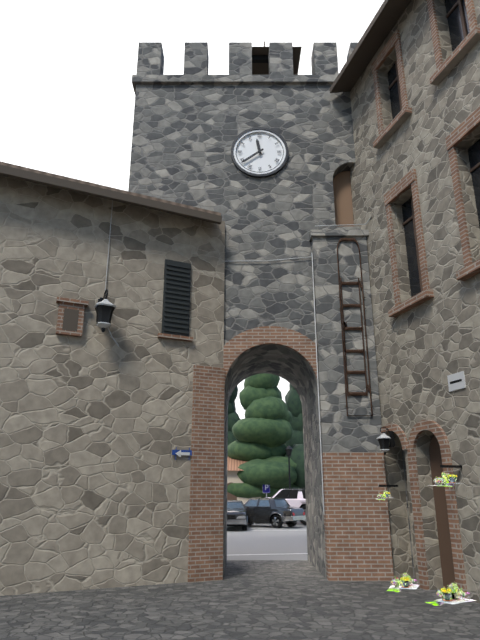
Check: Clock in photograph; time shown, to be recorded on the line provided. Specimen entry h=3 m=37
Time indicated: h=11 m=39
